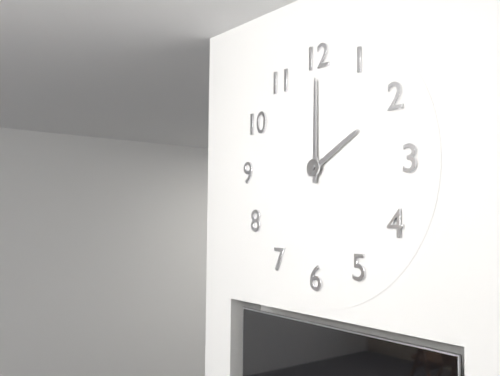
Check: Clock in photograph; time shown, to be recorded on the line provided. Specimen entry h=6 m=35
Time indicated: h=2 m=0
